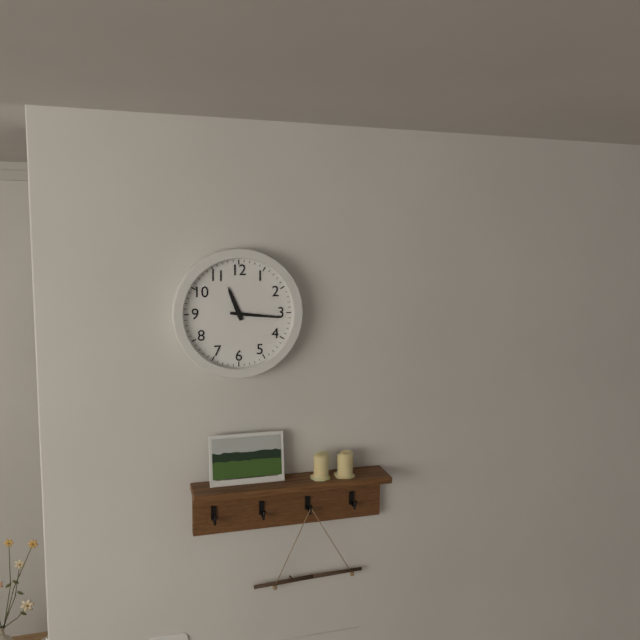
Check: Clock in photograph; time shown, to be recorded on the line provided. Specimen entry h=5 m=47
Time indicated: h=11 m=16
